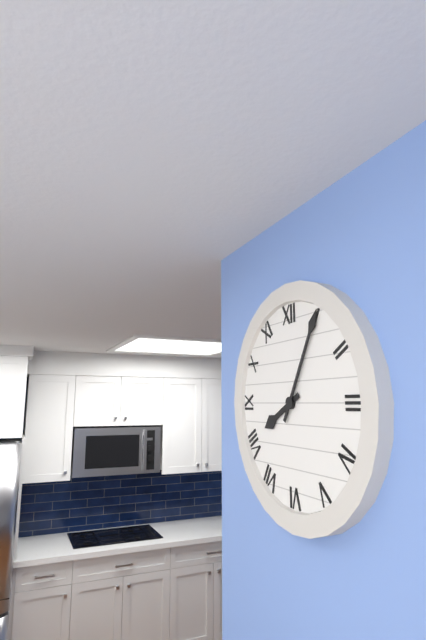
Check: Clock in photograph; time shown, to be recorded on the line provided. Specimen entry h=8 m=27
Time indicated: h=8 m=5
